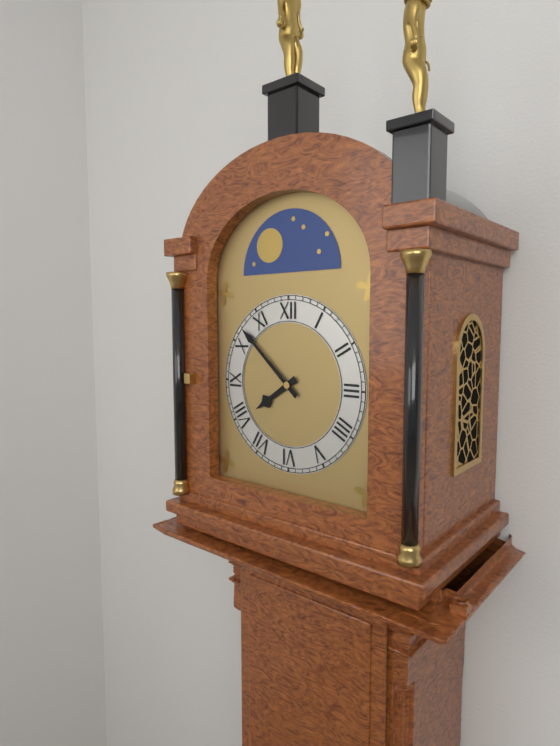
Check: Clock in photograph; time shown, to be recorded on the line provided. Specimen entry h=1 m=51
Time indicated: h=7 m=52
